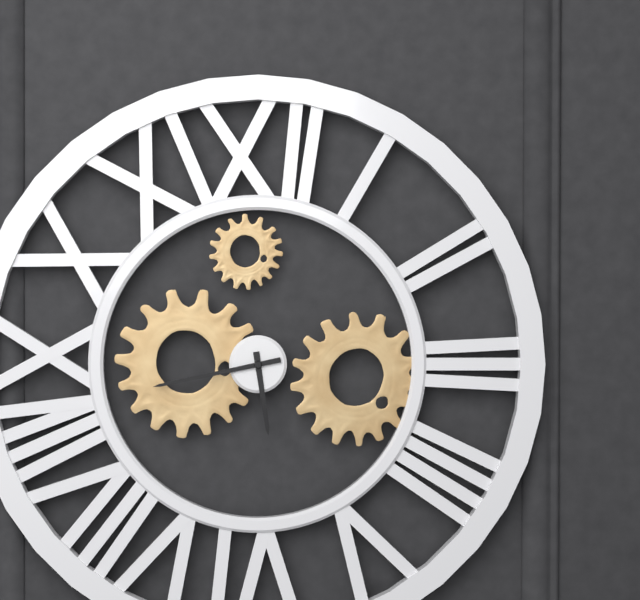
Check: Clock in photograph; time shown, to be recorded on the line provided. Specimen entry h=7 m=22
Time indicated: h=5 m=43
